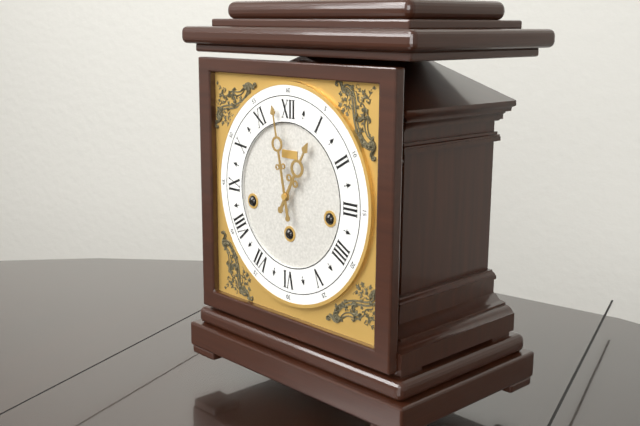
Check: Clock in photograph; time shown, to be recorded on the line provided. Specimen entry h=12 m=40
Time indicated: h=12 m=58
